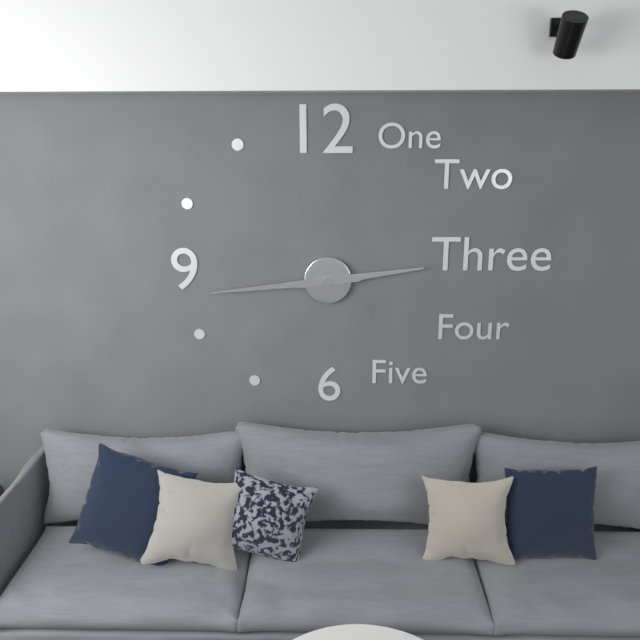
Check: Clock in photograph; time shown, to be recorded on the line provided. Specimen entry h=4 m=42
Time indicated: h=2 m=44
